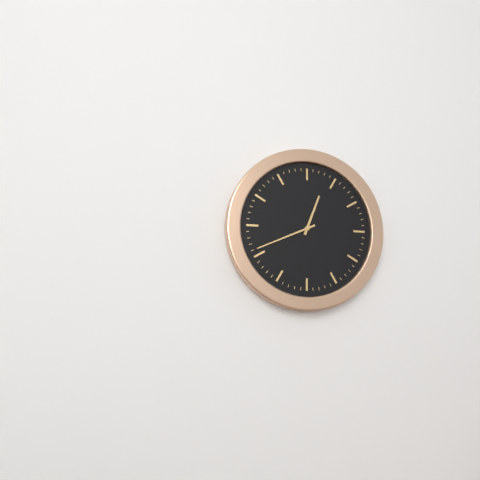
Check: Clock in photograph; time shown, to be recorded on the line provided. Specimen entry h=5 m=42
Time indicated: h=12 m=41
